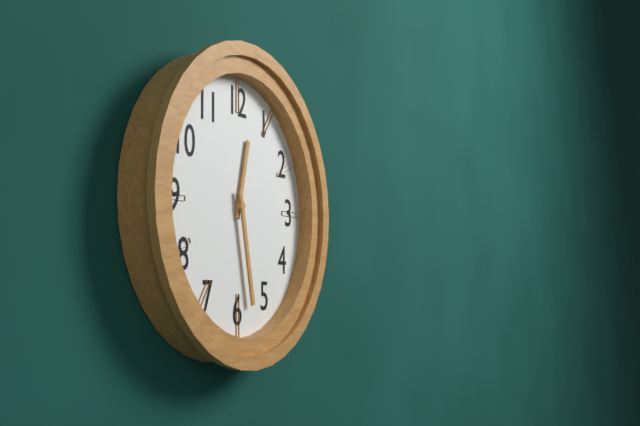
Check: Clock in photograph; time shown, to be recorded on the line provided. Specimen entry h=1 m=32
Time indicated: h=12 m=28
